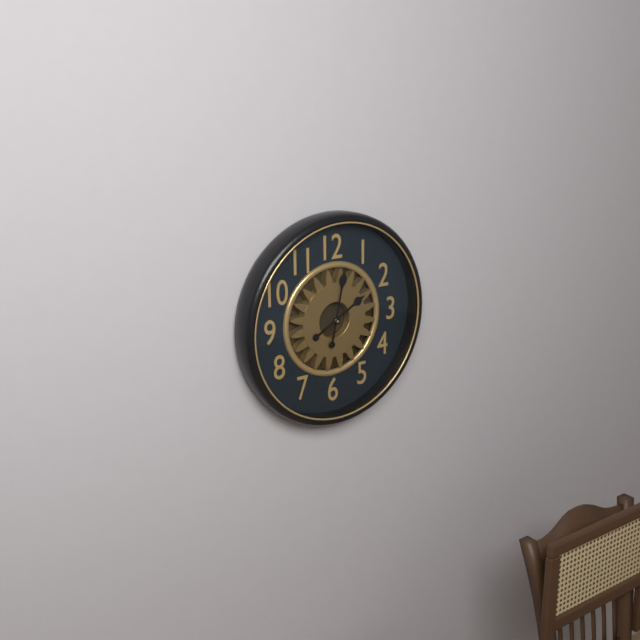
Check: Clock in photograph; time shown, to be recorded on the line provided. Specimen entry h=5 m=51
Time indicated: h=2 m=2
